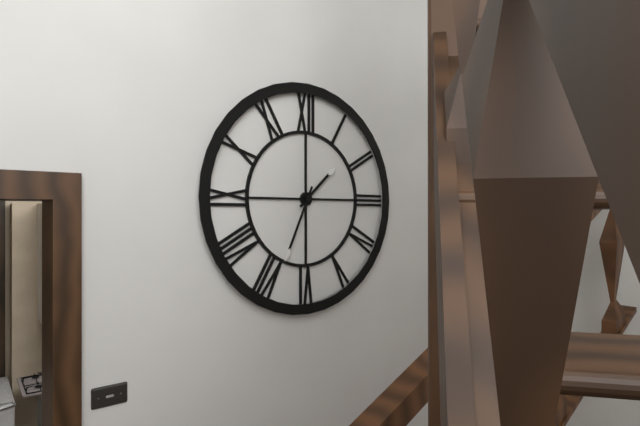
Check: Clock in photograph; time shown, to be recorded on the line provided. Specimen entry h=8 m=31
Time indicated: h=1 m=34
